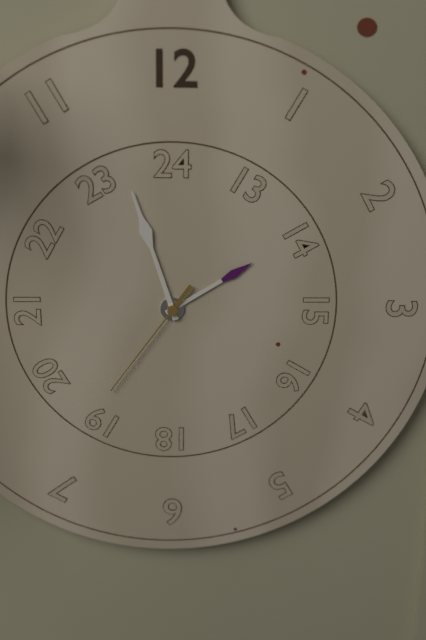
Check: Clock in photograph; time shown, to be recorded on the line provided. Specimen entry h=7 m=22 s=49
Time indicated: h=1 m=57 s=36
